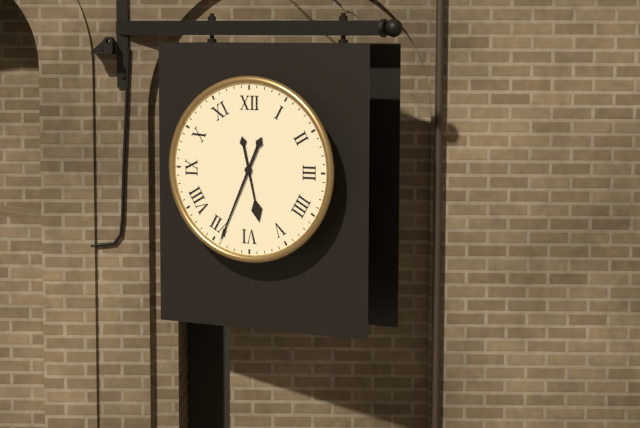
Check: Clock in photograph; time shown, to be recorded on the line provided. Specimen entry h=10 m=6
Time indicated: h=5 m=34
